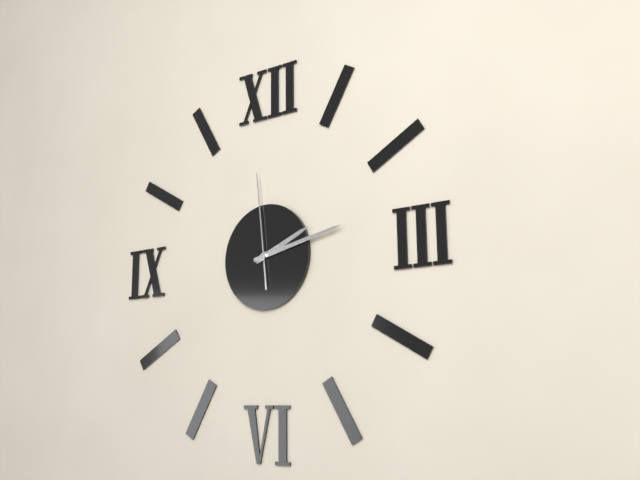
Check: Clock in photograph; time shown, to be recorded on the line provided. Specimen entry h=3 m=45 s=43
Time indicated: h=2 m=13 s=59
